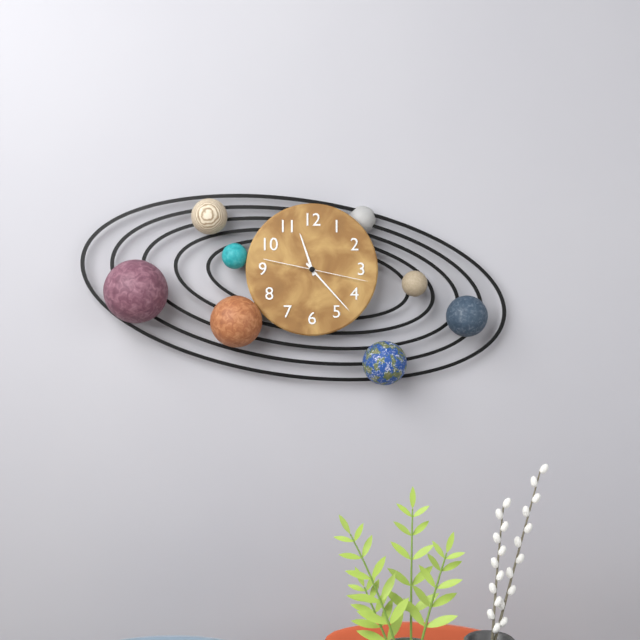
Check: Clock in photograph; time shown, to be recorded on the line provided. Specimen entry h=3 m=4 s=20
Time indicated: h=11 m=23 s=17
